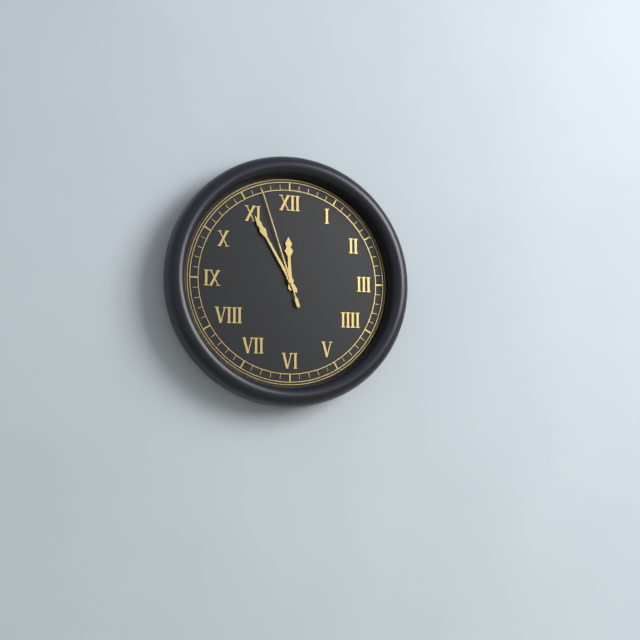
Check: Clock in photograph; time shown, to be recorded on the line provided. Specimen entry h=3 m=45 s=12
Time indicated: h=11 m=55 s=57
